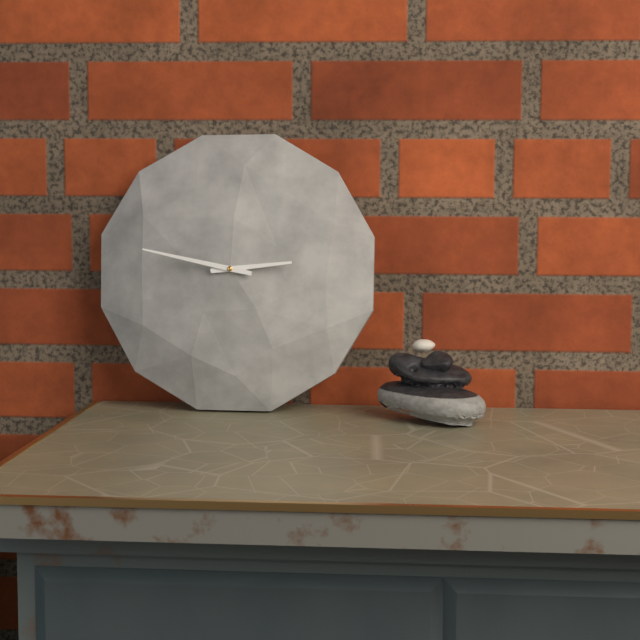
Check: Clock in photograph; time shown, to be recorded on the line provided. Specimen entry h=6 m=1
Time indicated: h=2 m=47
